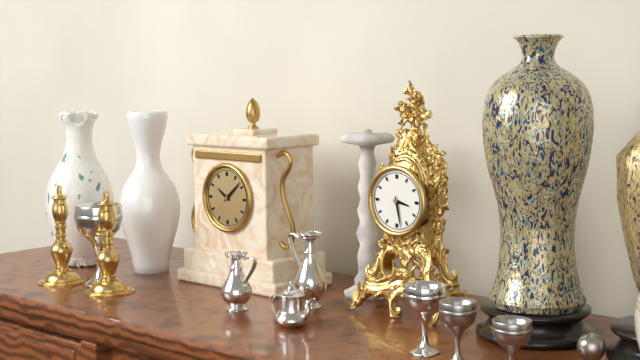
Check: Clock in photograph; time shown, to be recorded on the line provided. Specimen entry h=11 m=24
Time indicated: h=3 m=28
